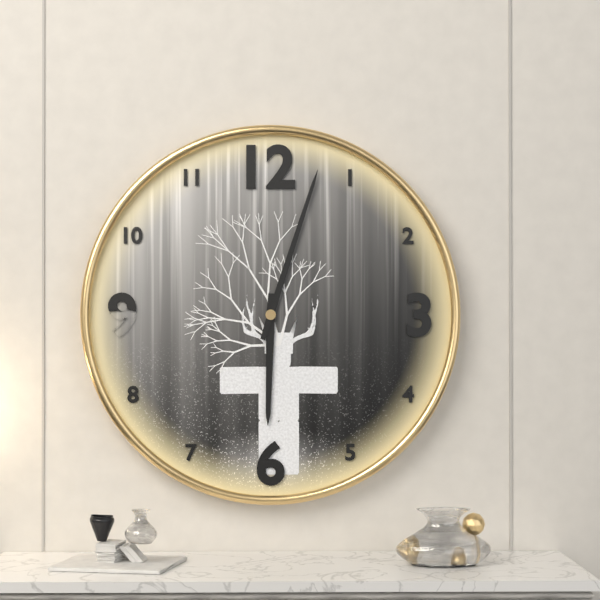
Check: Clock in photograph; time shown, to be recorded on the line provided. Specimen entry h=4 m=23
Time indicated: h=6 m=3
